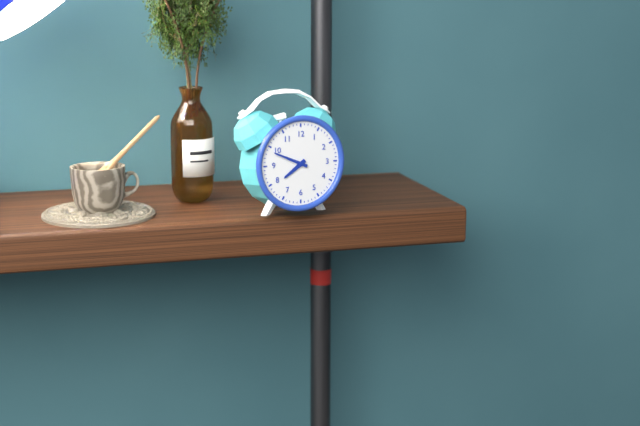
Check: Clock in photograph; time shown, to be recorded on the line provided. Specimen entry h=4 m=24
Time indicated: h=7 m=49
